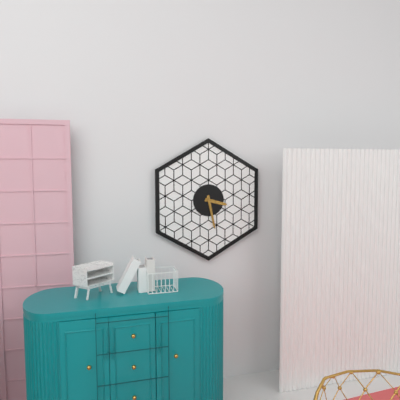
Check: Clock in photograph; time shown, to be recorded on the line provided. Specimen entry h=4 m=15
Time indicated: h=3 m=28
